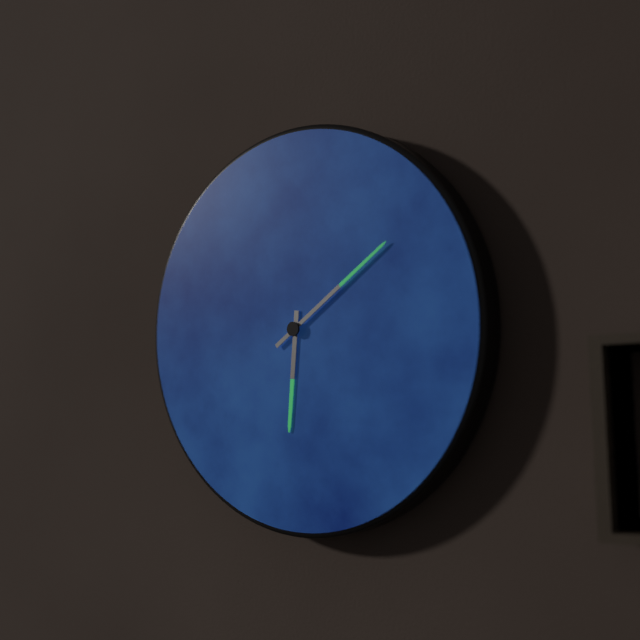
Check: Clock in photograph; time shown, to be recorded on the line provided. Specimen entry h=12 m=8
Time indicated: h=6 m=9
